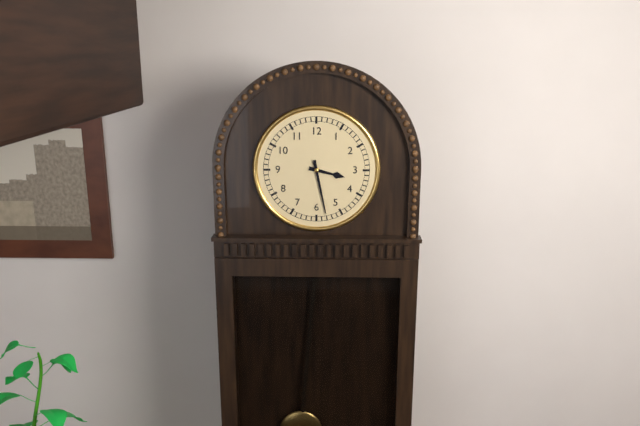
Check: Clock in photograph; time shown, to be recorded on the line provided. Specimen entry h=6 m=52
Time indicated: h=3 m=28
